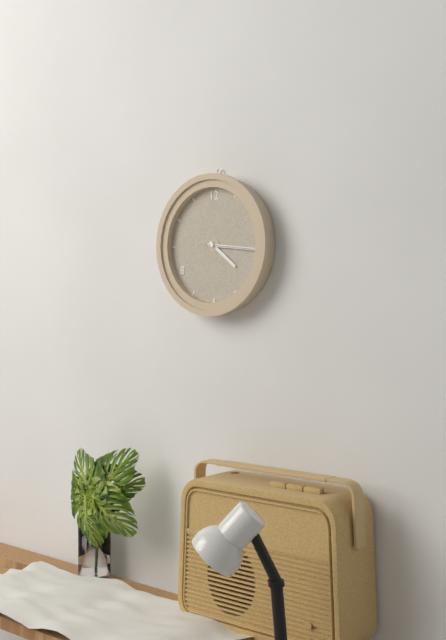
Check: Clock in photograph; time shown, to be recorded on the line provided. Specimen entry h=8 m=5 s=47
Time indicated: h=4 m=16 s=16
